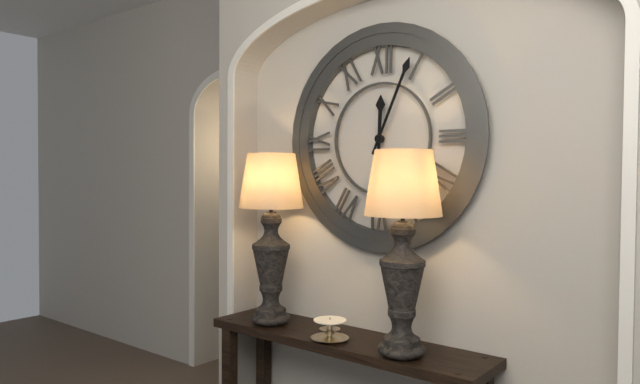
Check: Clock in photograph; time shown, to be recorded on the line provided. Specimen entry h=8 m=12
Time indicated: h=12 m=4
